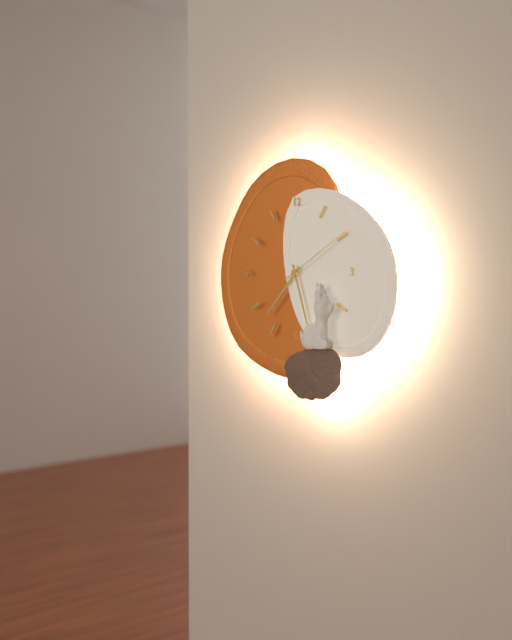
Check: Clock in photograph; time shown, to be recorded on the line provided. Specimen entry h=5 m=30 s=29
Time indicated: h=7 m=27 s=10
